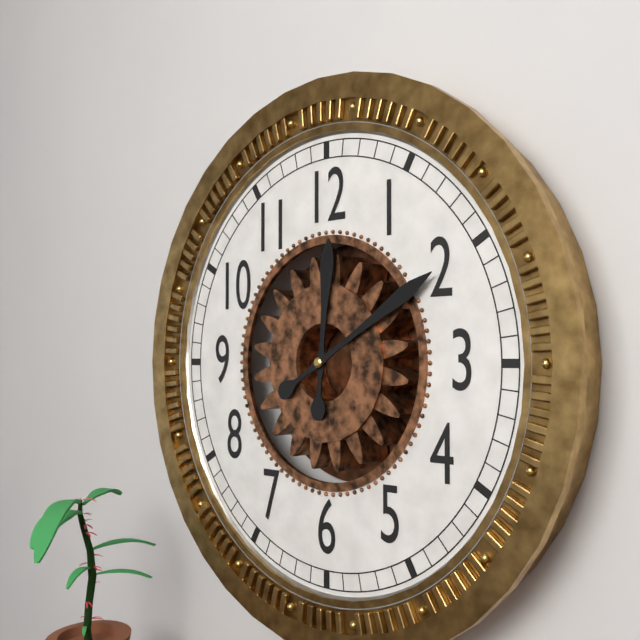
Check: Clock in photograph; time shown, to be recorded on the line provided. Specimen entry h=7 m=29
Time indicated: h=12 m=10
